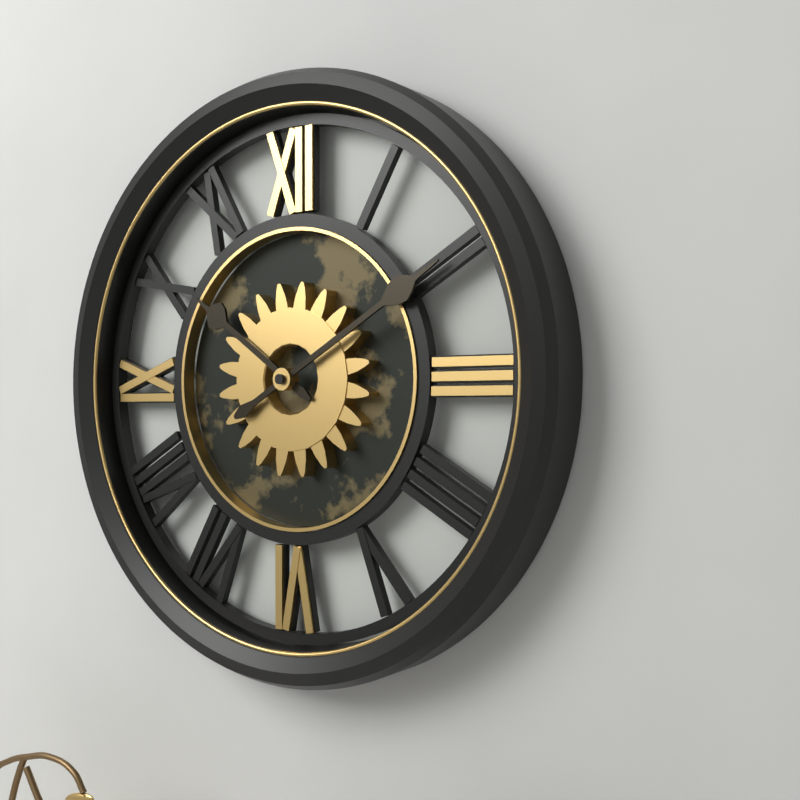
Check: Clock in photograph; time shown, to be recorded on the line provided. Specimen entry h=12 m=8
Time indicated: h=10 m=10
